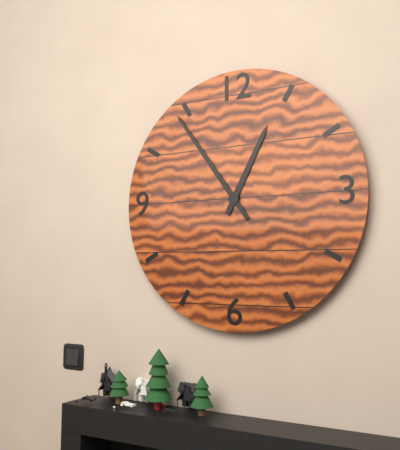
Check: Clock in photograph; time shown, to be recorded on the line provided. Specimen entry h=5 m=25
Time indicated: h=12 m=54
